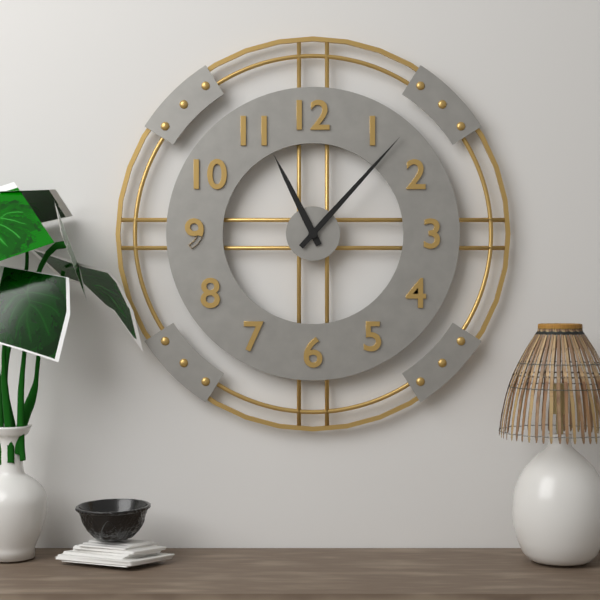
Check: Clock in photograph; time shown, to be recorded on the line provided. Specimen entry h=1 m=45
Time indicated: h=11 m=7
